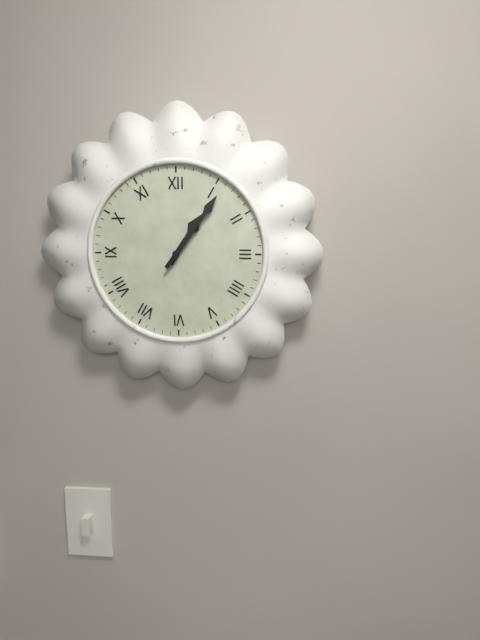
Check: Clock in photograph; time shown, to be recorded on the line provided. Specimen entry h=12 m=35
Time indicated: h=1 m=6
